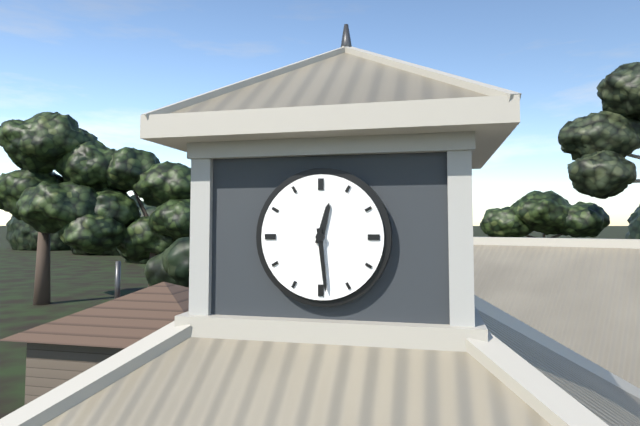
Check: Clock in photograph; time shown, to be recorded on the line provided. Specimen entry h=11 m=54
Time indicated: h=12 m=29
